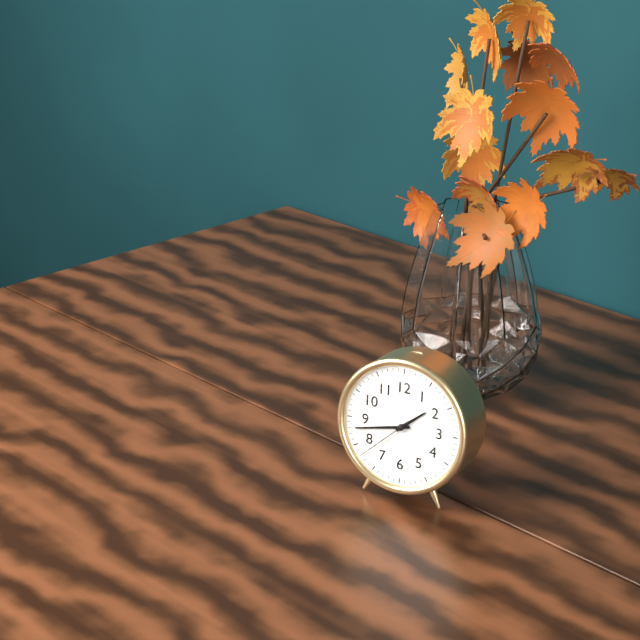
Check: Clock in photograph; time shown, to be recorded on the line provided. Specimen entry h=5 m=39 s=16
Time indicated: h=1 m=43 s=38
